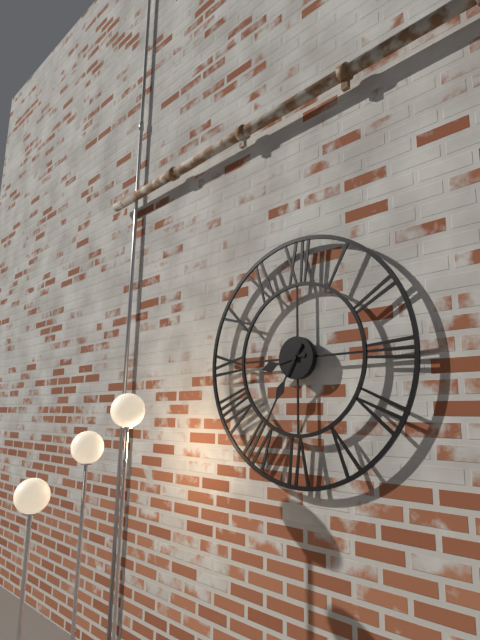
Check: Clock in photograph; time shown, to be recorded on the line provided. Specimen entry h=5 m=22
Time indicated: h=8 m=35
